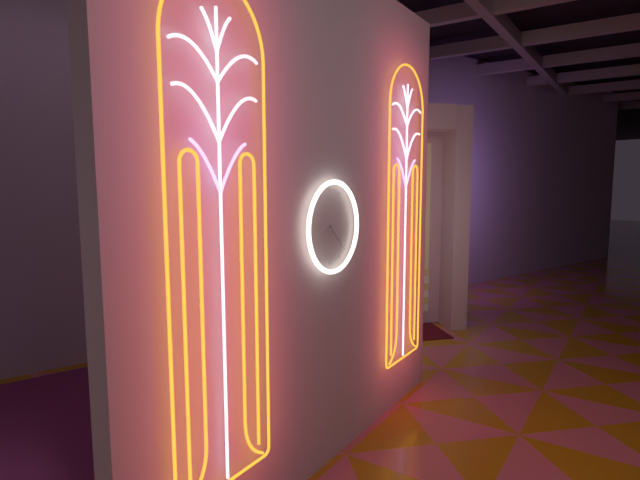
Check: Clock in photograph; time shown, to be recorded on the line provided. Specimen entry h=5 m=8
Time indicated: h=8 m=22
